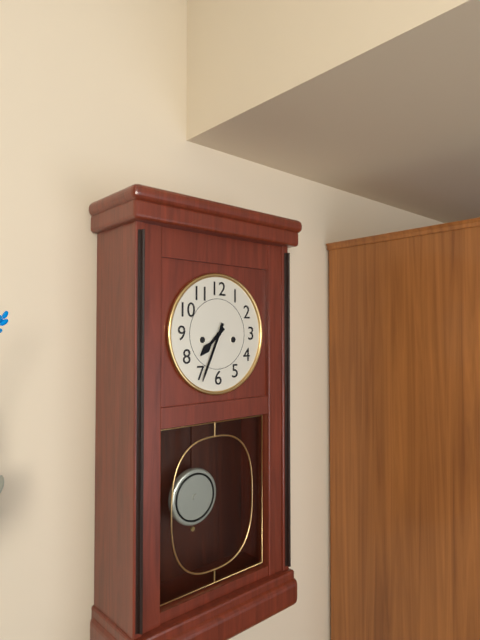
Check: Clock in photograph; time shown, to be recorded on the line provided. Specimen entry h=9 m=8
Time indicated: h=7 m=34
